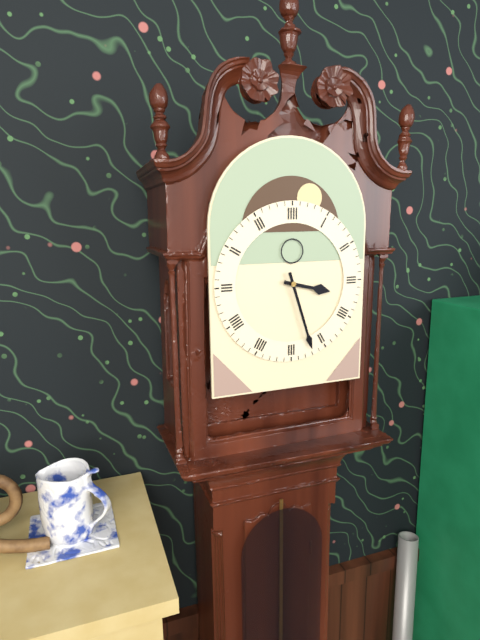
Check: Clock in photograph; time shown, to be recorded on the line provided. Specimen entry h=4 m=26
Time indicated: h=3 m=27
